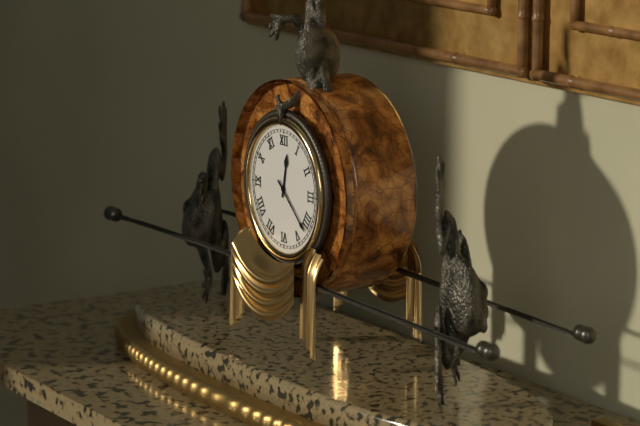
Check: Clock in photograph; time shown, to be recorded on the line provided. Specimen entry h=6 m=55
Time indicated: h=12 m=22
